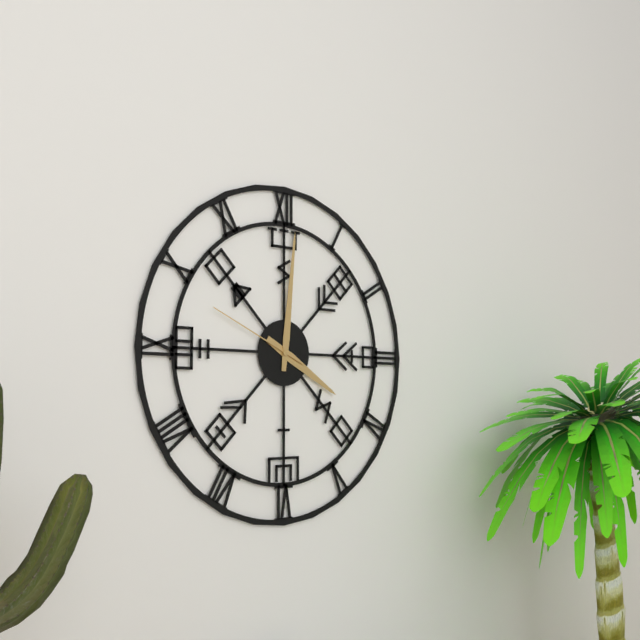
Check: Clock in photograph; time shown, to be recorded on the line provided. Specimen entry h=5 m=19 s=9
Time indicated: h=4 m=1 s=49
